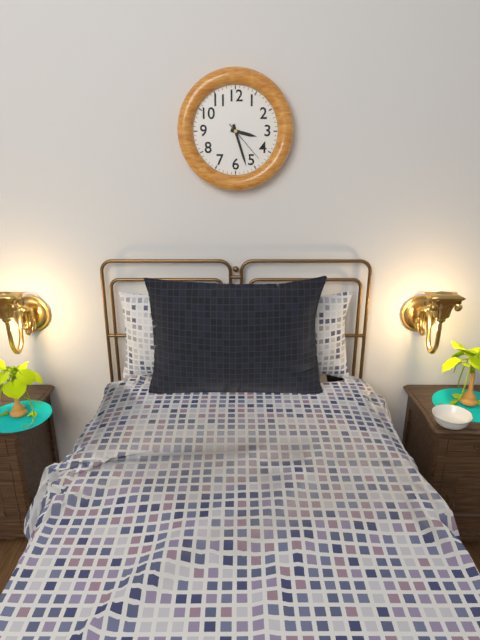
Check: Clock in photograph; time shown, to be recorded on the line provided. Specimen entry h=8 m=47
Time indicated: h=3 m=27
